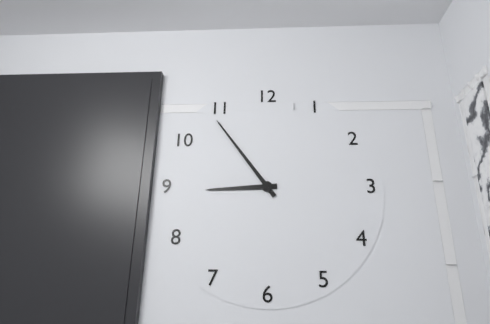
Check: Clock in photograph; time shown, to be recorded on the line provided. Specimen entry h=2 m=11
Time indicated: h=8 m=54
